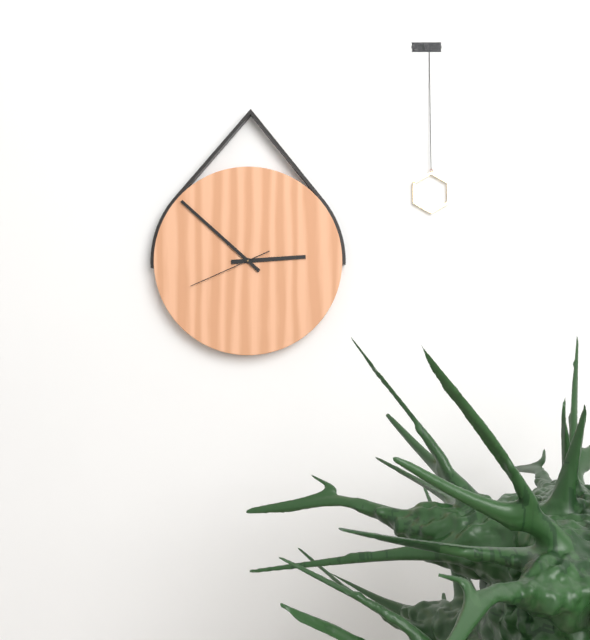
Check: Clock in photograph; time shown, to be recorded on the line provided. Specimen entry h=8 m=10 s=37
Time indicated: h=2 m=52 s=41
